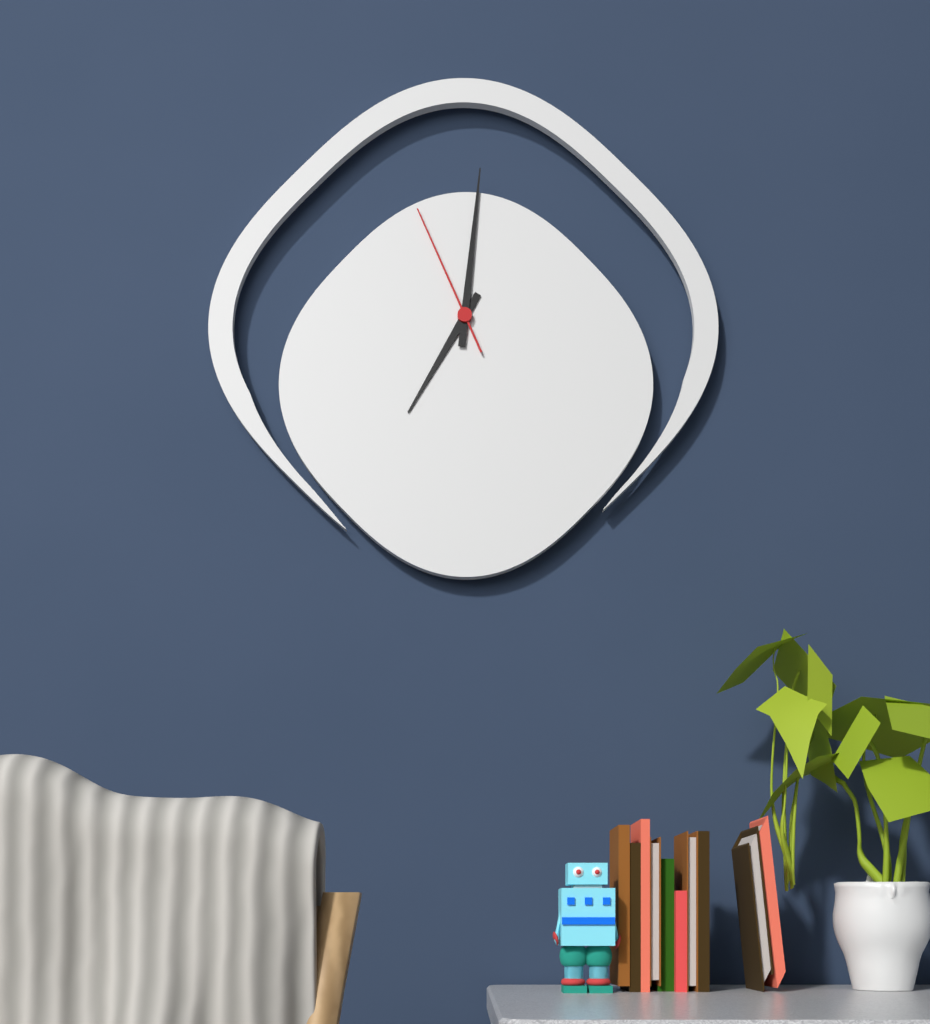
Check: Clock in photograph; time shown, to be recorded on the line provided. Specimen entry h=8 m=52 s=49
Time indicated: h=7 m=1 s=56
